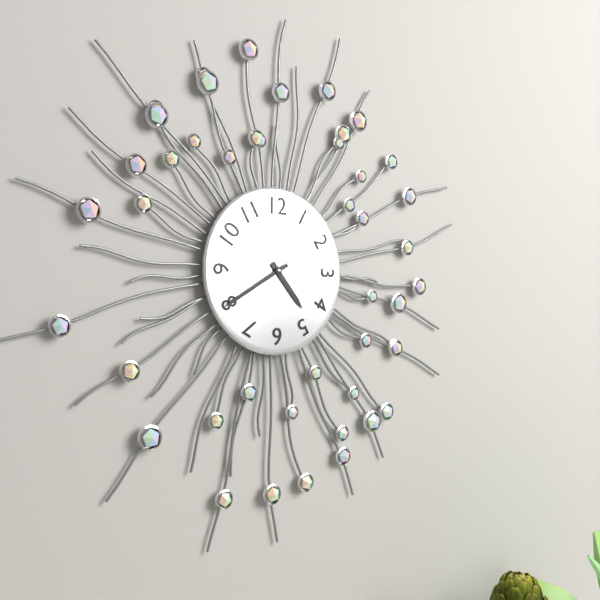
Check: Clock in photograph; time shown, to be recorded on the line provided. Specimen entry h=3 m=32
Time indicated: h=4 m=40
